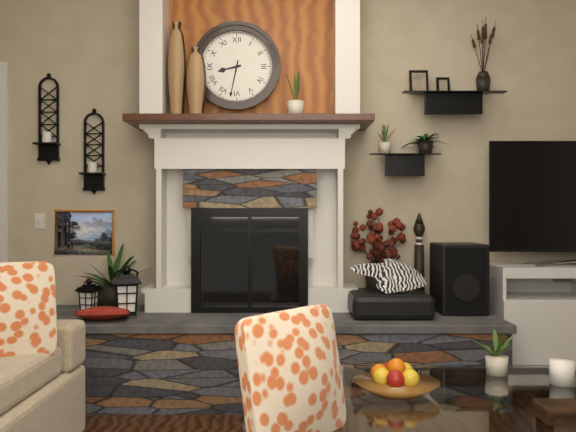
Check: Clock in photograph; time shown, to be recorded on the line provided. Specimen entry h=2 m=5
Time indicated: h=8 m=32
